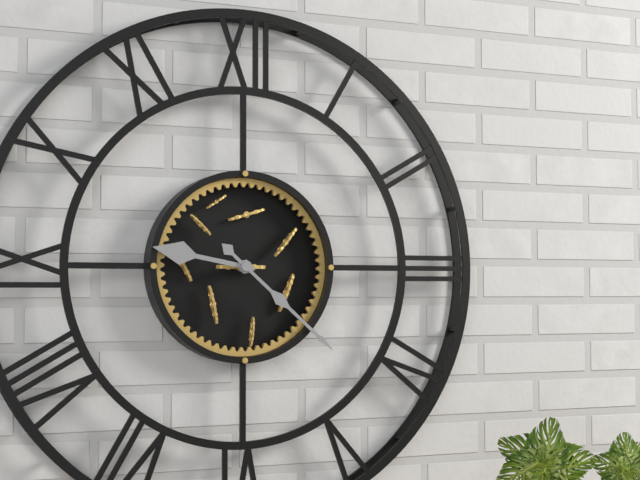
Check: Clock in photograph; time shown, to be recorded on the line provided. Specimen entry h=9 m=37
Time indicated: h=9 m=22
